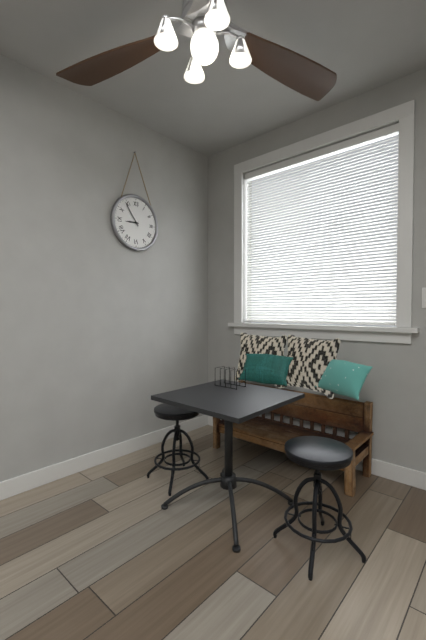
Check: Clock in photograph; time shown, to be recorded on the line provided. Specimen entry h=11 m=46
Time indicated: h=8 m=54
